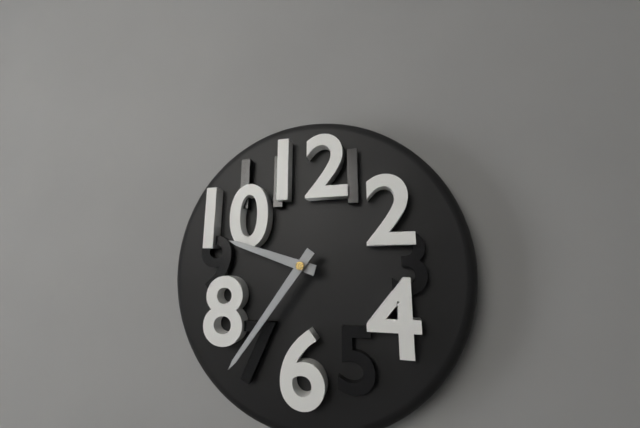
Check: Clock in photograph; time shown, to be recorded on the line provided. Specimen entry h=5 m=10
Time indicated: h=9 m=36
